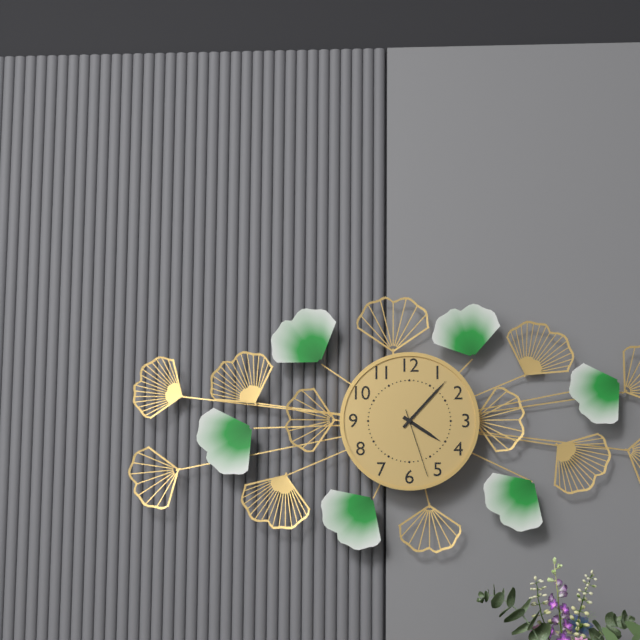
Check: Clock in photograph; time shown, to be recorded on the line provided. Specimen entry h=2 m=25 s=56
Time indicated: h=4 m=7 s=27
